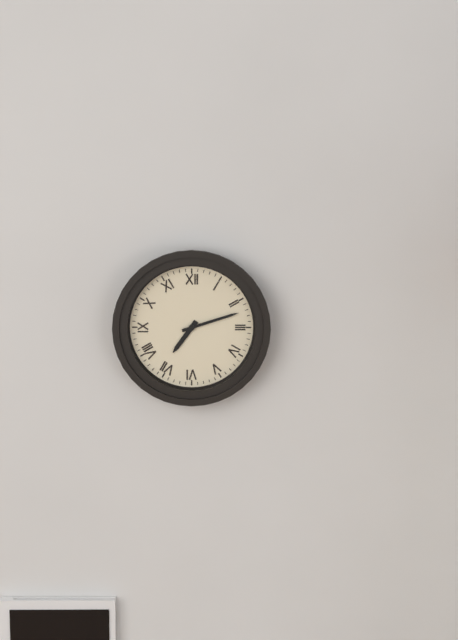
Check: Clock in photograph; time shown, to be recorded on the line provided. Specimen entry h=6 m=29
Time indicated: h=7 m=12
